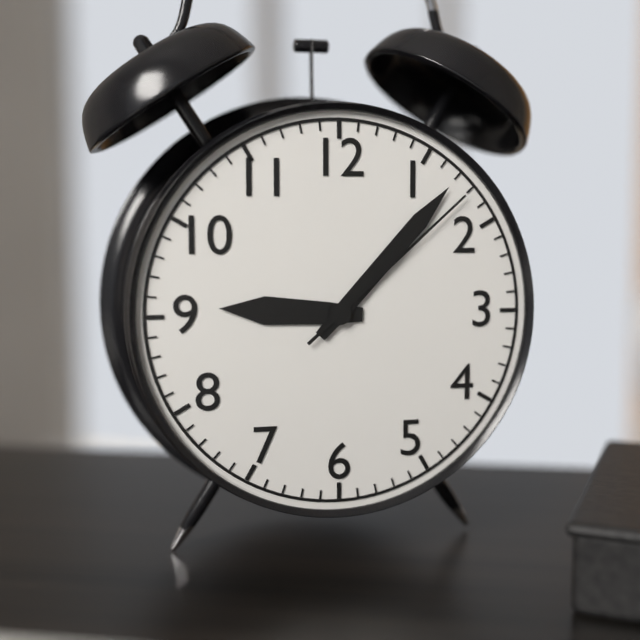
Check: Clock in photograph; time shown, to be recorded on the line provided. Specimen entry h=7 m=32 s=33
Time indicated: h=9 m=7 s=8
